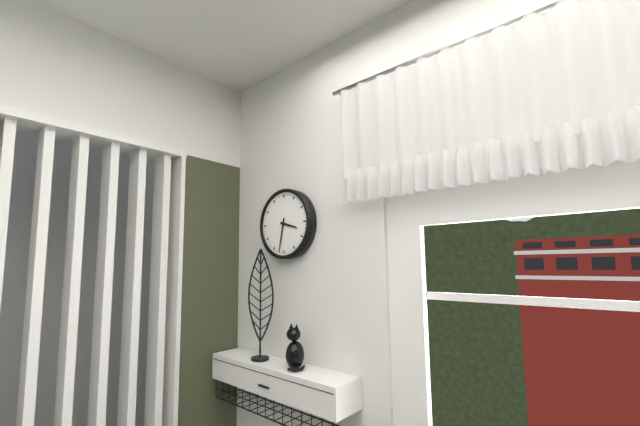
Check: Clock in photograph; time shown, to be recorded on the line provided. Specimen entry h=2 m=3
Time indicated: h=3 m=32
